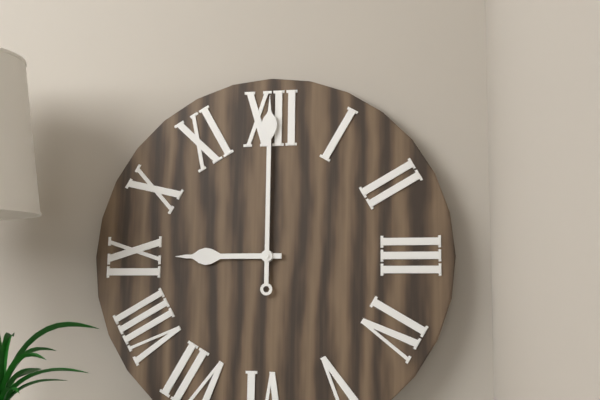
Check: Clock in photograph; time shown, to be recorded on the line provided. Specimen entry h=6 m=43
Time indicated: h=9 m=0
